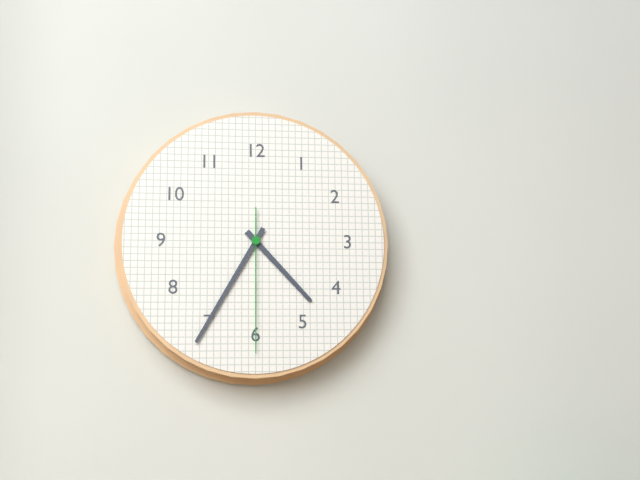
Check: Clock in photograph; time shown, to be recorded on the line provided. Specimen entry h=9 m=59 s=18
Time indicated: h=4 m=35 s=30
